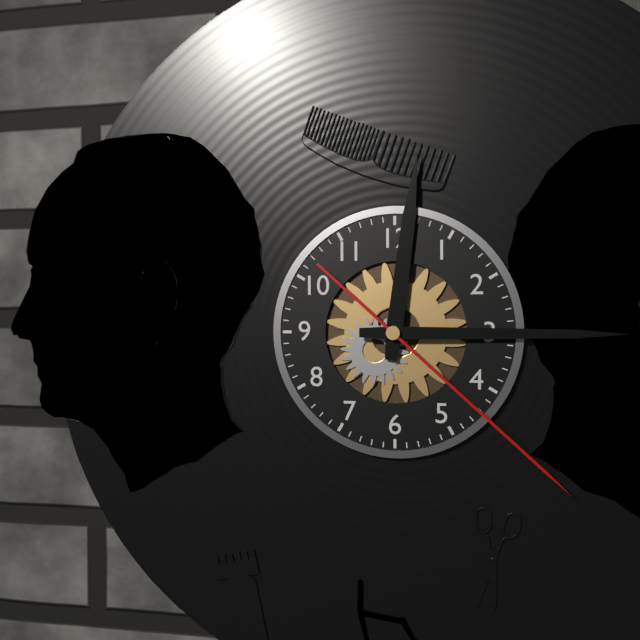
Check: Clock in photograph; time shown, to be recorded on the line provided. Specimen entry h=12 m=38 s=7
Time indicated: h=12 m=15 s=22
